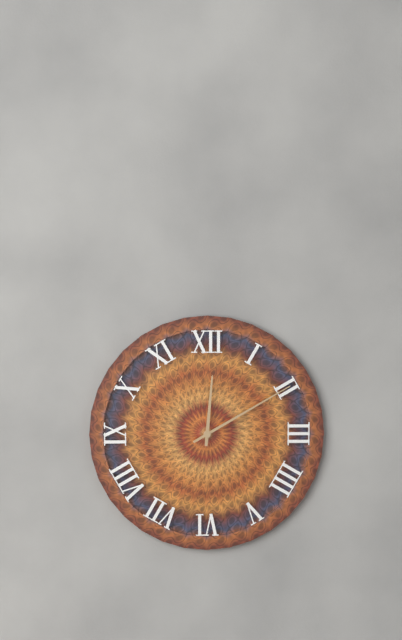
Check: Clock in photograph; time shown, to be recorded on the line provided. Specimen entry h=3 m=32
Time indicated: h=12 m=10
